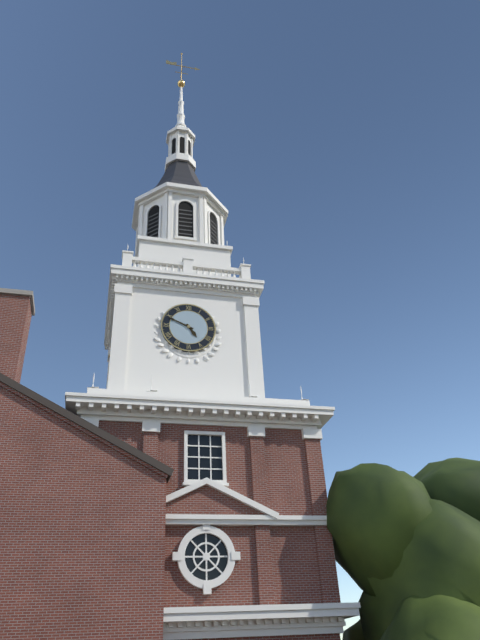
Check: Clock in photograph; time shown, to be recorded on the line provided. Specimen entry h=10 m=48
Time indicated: h=4 m=49
